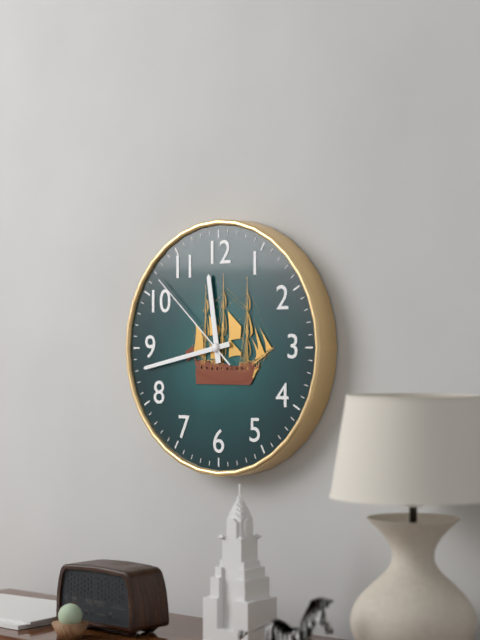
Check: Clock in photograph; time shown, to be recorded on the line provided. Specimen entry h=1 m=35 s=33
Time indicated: h=11 m=43 s=52
